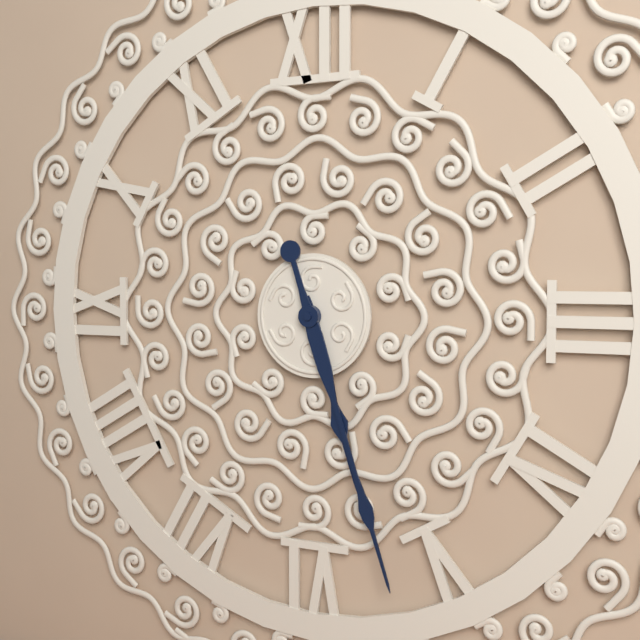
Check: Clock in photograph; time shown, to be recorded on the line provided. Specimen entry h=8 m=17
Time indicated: h=5 m=27
